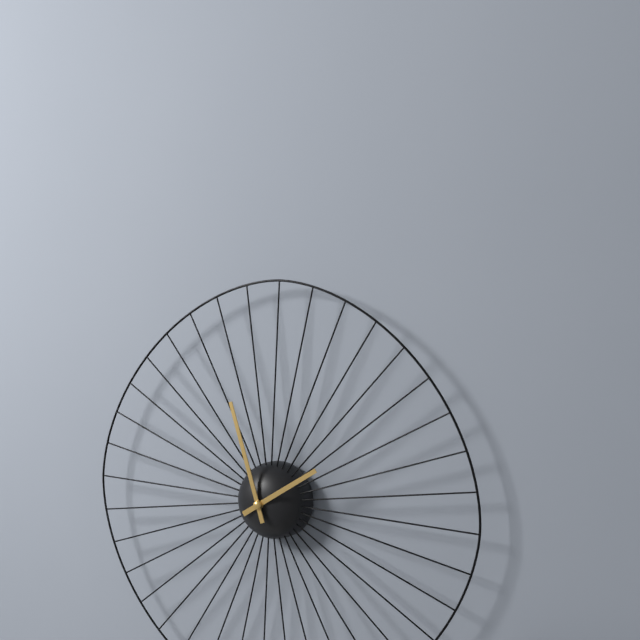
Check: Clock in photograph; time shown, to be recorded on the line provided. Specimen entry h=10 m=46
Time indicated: h=1 m=57
